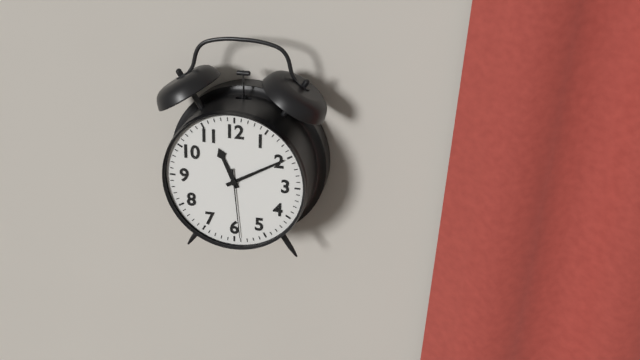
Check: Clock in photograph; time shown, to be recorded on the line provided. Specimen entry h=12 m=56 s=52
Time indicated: h=11 m=10 s=29
